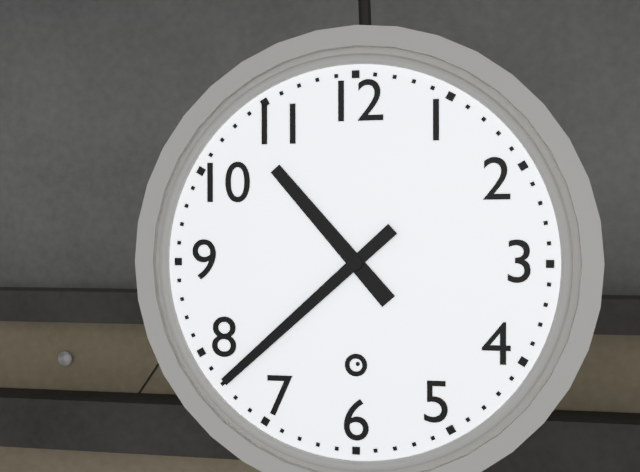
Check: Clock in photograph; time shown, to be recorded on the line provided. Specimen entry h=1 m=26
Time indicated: h=10 m=38
